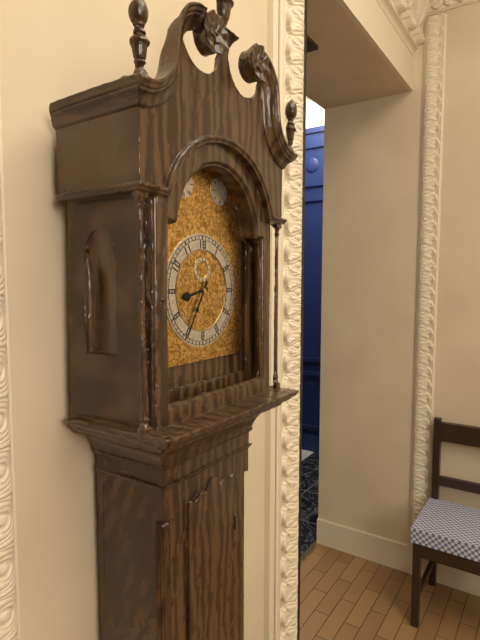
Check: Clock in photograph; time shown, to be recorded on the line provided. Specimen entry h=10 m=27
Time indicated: h=8 m=35
